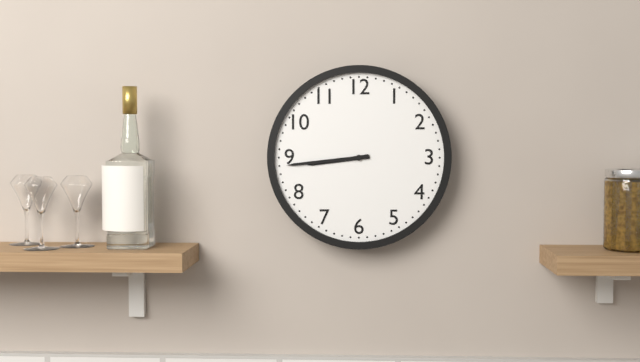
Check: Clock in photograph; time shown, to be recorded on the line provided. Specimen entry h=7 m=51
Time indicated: h=8 m=44
